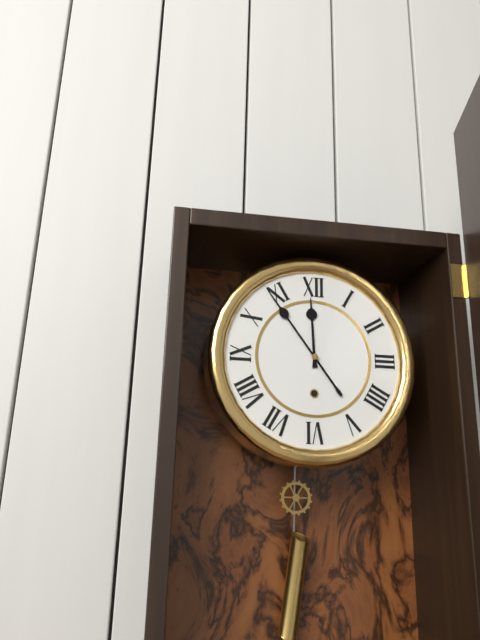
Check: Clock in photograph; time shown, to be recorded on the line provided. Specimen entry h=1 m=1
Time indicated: h=11 m=54
